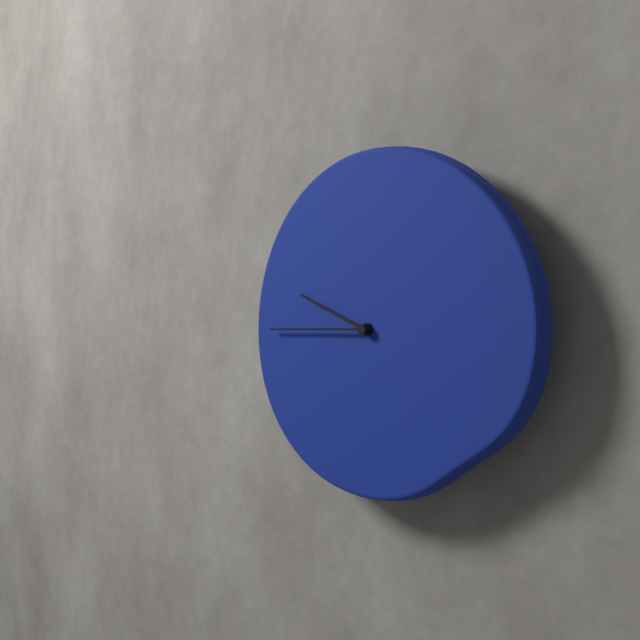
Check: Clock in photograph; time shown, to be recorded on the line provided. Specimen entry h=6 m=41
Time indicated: h=9 m=45
